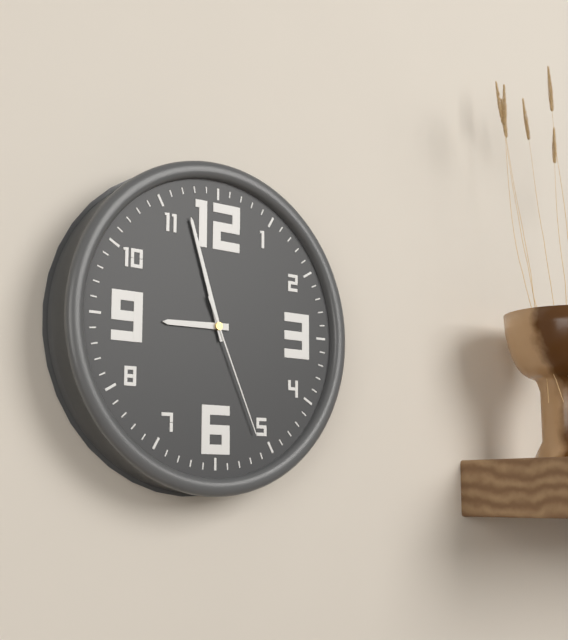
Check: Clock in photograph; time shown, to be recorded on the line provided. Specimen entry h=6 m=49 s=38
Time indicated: h=8 m=57 s=26
